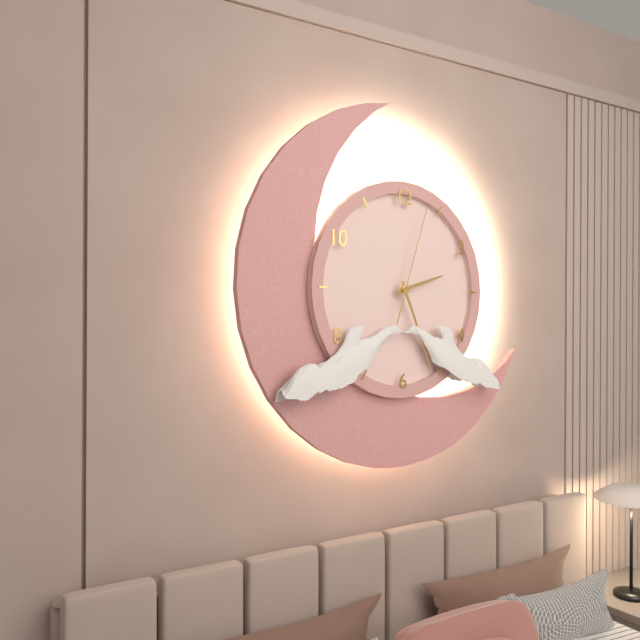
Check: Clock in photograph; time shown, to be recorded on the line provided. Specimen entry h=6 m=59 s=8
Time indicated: h=2 m=26 s=3
